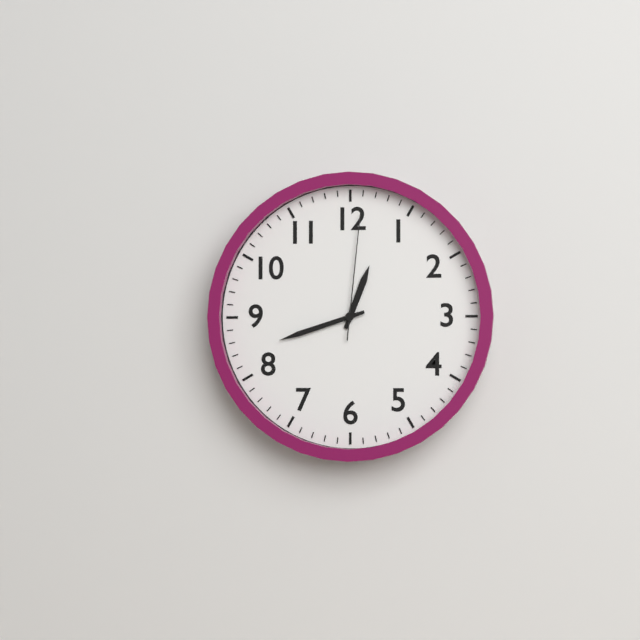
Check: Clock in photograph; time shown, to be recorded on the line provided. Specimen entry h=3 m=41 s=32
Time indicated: h=12 m=42 s=1
